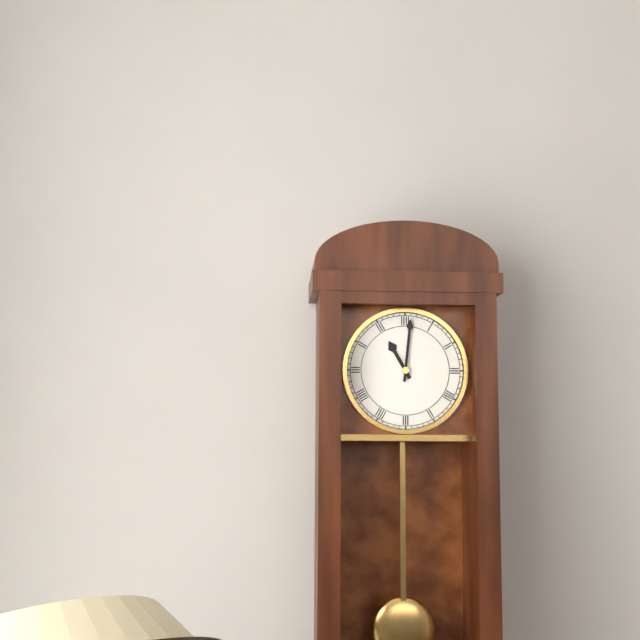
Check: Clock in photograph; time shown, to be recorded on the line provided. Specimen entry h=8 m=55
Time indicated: h=11 m=1
